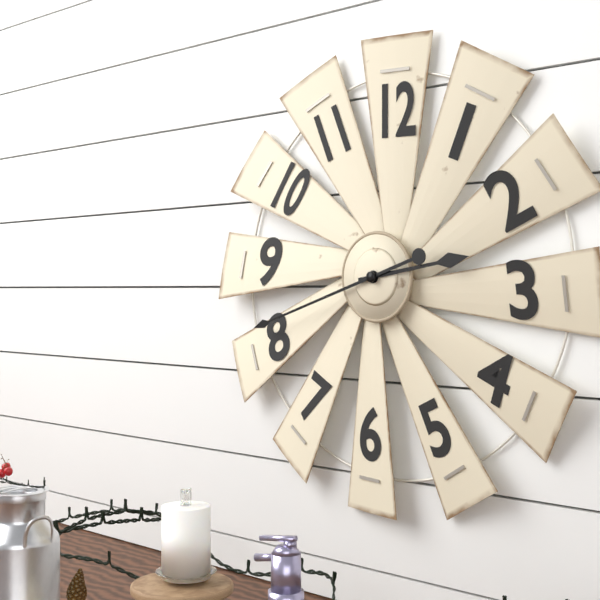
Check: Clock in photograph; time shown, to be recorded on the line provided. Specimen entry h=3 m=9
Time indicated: h=2 m=42
